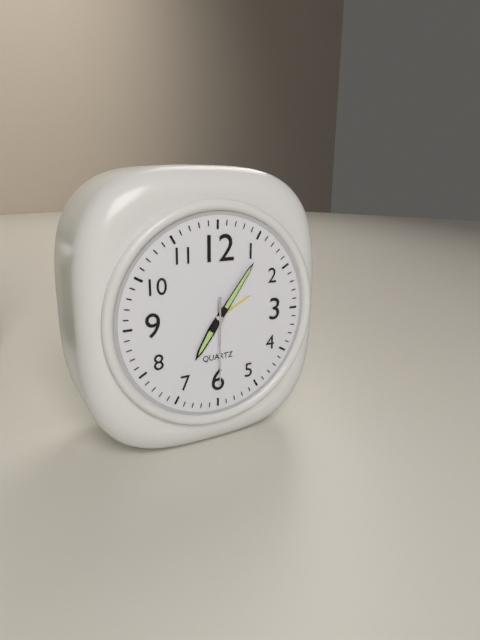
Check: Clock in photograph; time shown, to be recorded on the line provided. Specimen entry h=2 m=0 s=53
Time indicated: h=7 m=6 s=30
